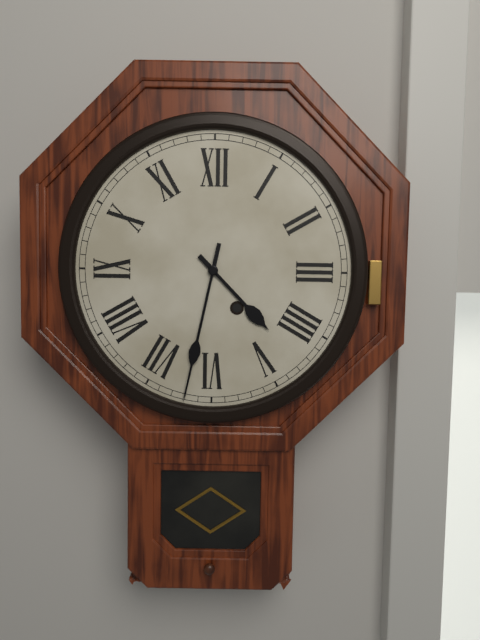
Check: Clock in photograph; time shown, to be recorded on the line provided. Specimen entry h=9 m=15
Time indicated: h=4 m=32
